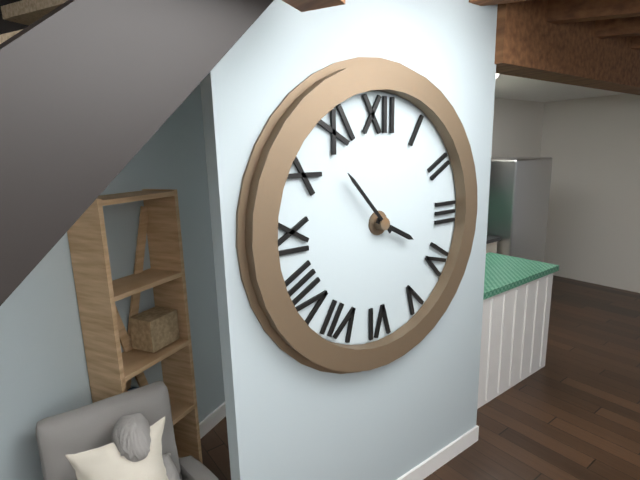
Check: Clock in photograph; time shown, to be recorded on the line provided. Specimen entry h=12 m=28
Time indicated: h=3 m=53
